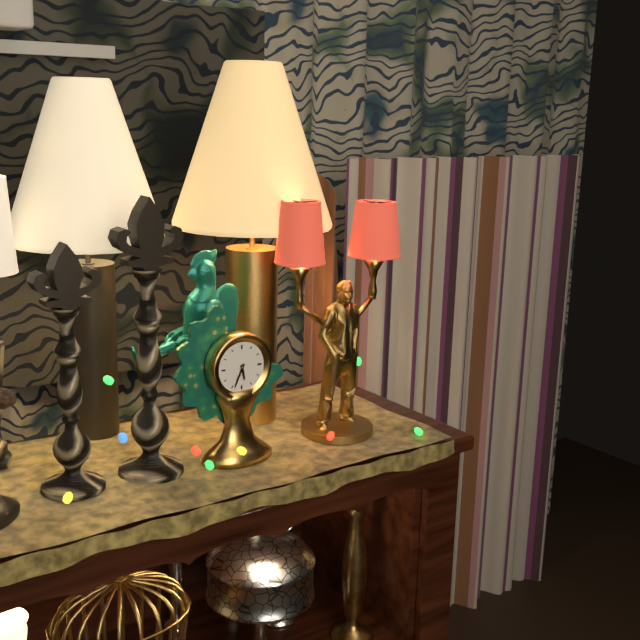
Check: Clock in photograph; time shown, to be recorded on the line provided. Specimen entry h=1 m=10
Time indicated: h=5 m=34
